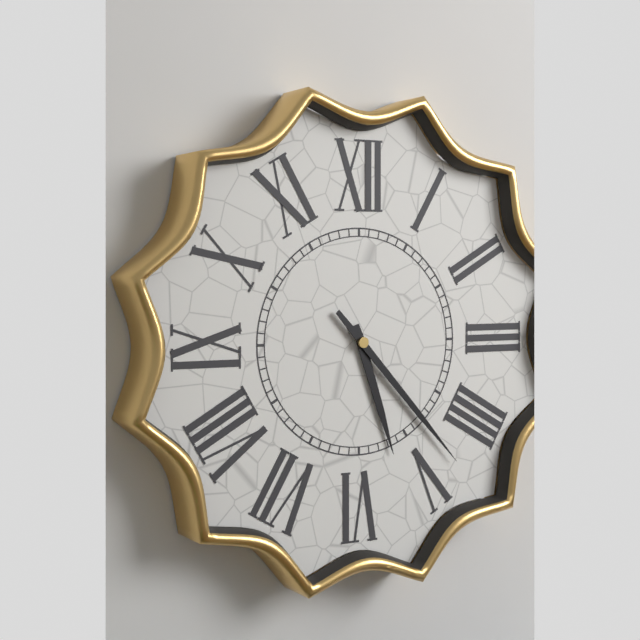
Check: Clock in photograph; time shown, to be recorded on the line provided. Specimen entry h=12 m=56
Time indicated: h=5 m=23
